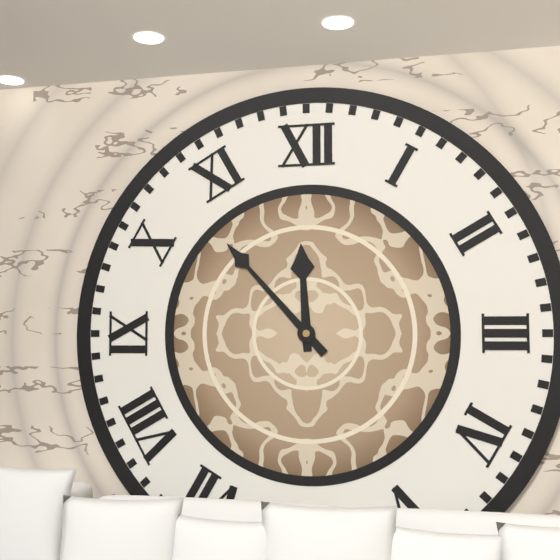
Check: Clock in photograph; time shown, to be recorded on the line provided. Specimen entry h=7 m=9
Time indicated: h=11 m=53
